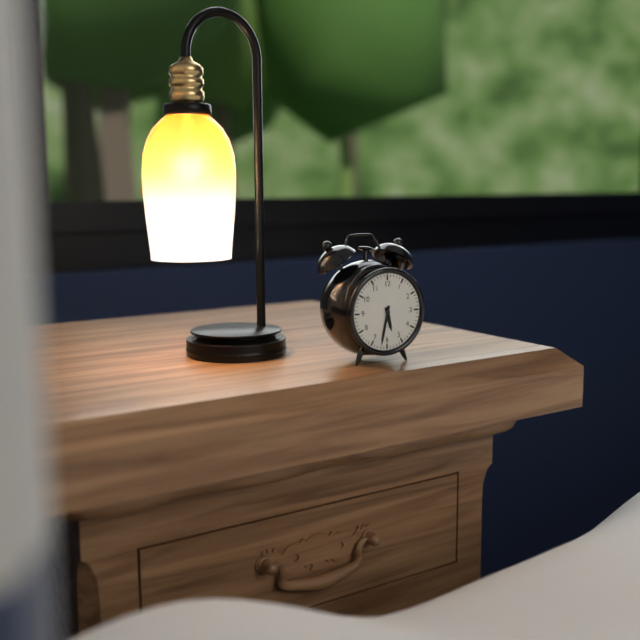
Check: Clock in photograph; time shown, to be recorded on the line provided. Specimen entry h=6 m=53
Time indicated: h=5 m=32
